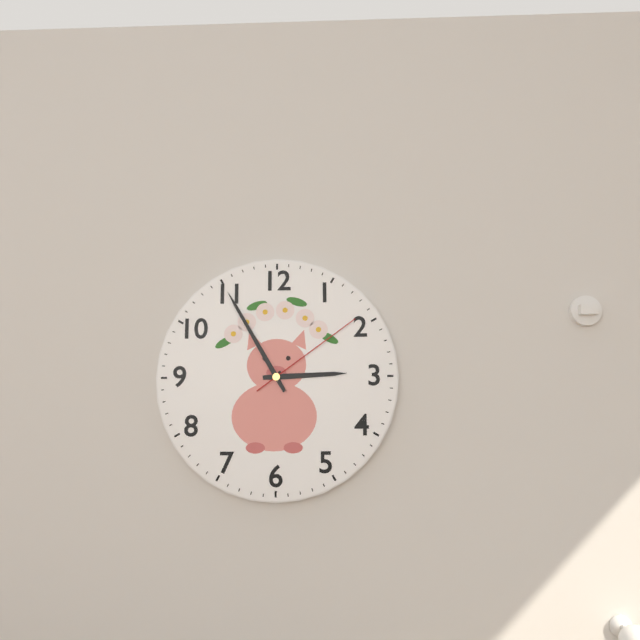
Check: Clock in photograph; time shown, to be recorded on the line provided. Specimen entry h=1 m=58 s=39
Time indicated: h=2 m=55 s=9
